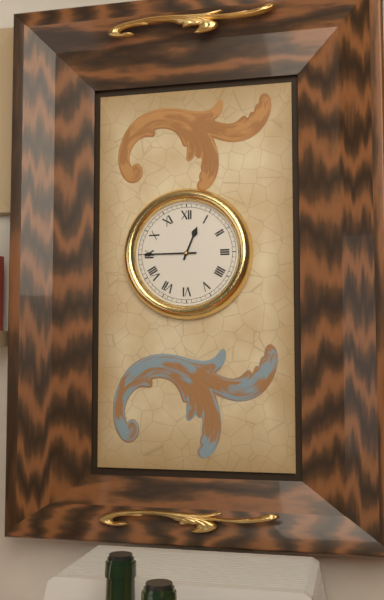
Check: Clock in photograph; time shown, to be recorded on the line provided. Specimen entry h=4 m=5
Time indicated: h=12 m=45
